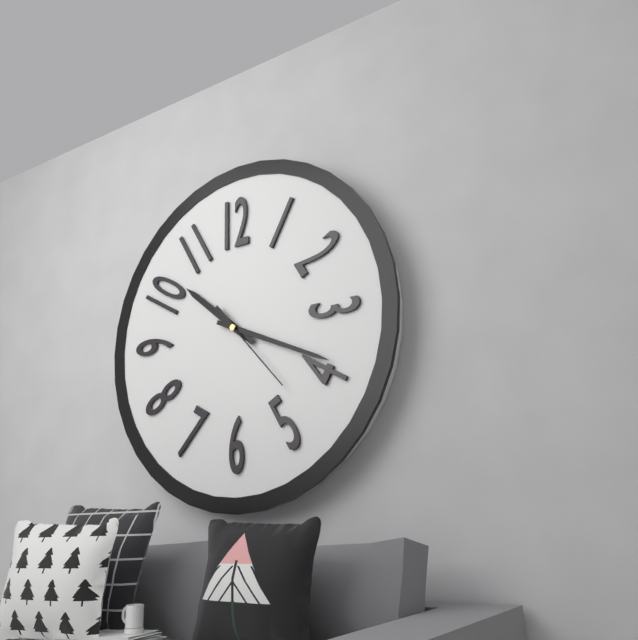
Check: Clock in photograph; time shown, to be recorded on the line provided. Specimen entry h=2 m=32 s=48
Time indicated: h=10 m=19 s=23
